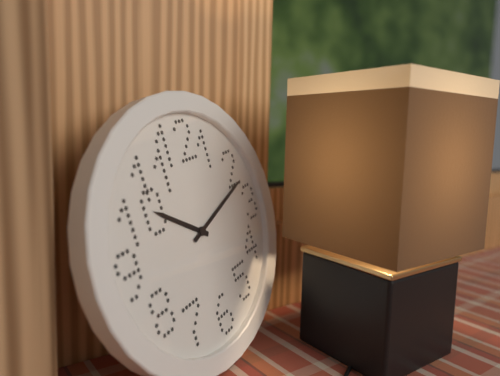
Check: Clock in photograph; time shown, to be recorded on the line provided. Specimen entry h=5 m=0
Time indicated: h=10 m=12
